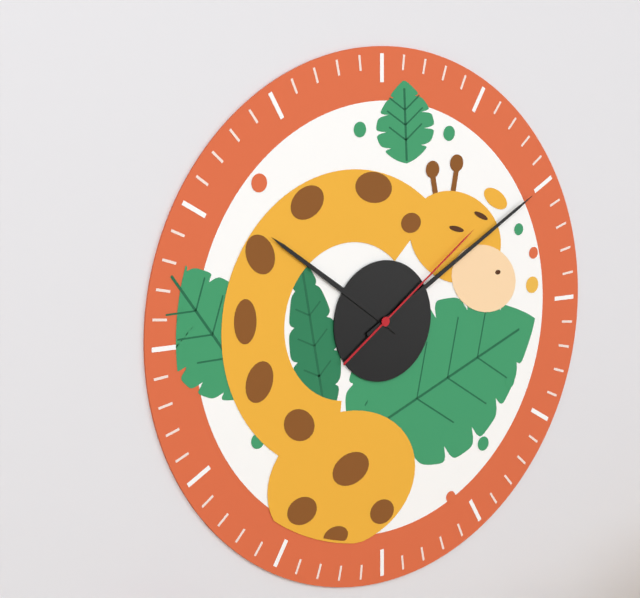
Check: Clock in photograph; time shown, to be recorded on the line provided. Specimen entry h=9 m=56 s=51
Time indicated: h=10 m=10 s=9
